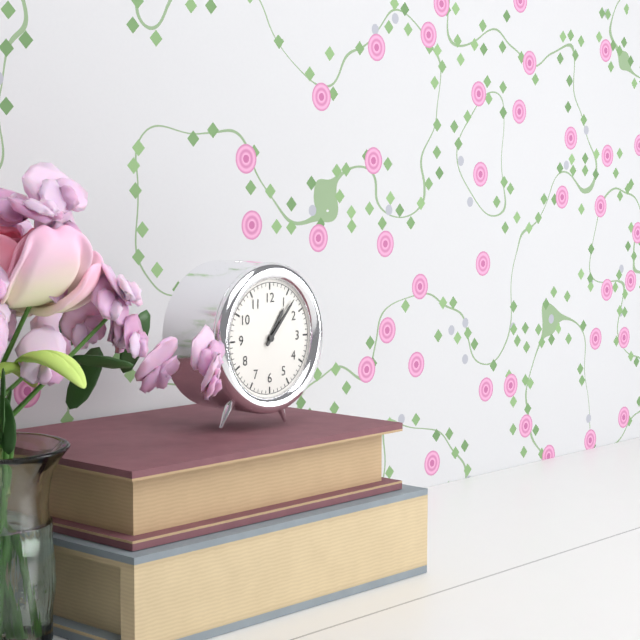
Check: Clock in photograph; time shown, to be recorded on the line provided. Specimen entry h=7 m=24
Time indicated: h=1 m=7
